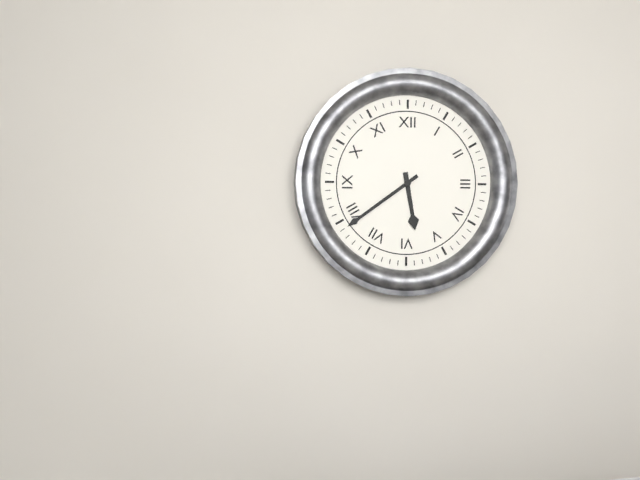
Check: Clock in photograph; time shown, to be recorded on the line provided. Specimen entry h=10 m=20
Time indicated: h=5 m=39
